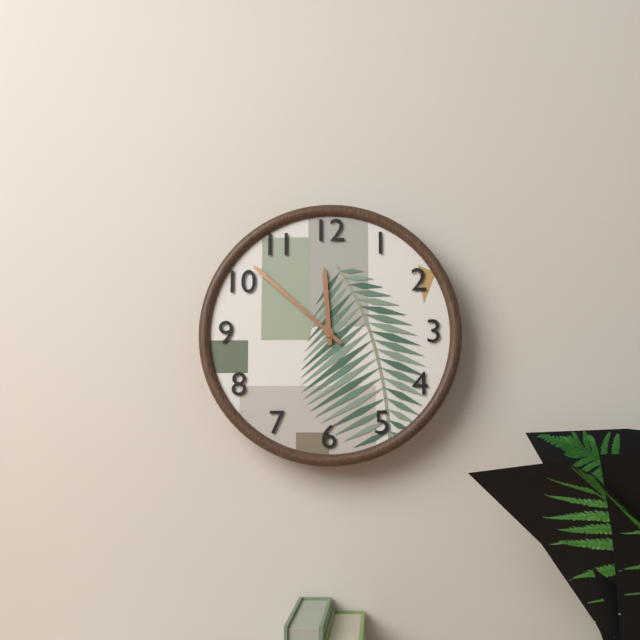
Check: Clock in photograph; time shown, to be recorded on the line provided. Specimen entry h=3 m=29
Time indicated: h=11 m=52
